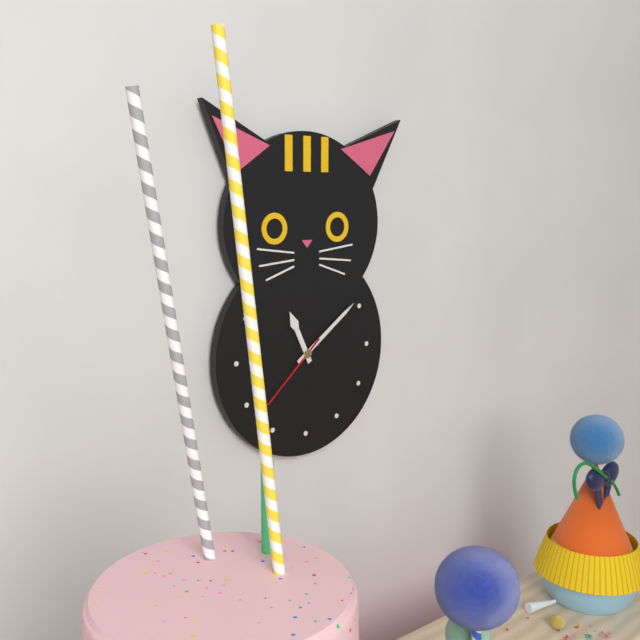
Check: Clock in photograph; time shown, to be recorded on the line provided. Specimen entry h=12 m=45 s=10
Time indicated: h=11 m=9 s=38
